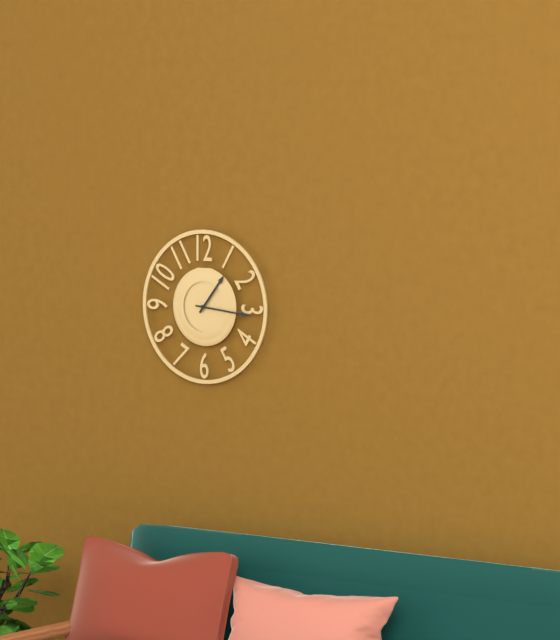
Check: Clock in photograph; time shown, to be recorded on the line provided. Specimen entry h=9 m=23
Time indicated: h=1 m=16
